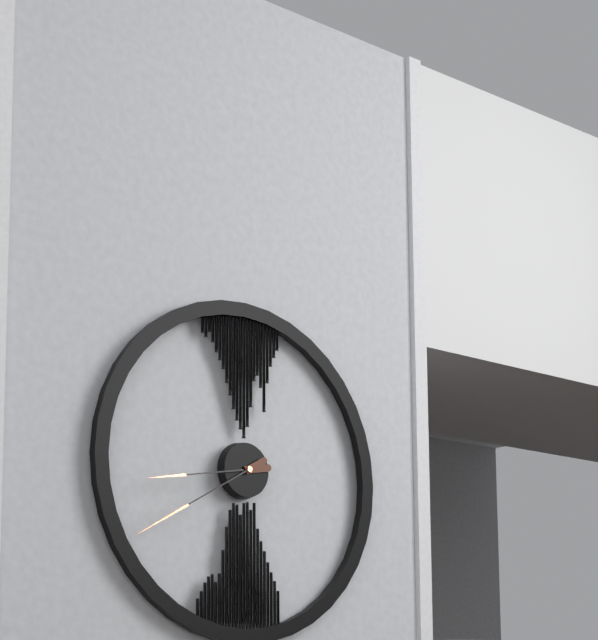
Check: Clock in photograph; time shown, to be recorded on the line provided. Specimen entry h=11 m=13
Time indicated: h=8 m=40
